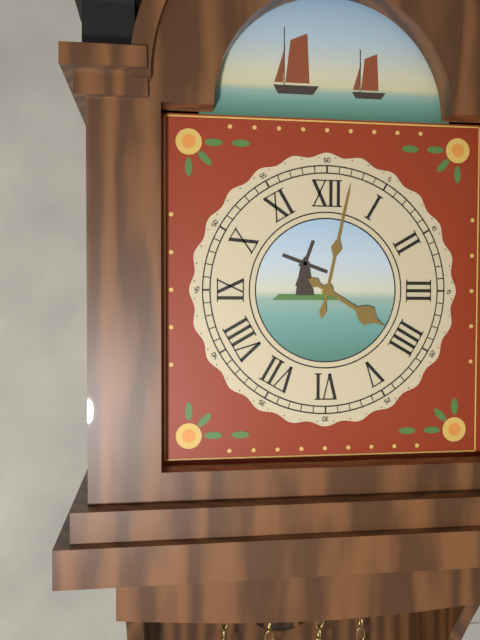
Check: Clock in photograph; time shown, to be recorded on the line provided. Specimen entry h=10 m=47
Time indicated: h=4 m=2
